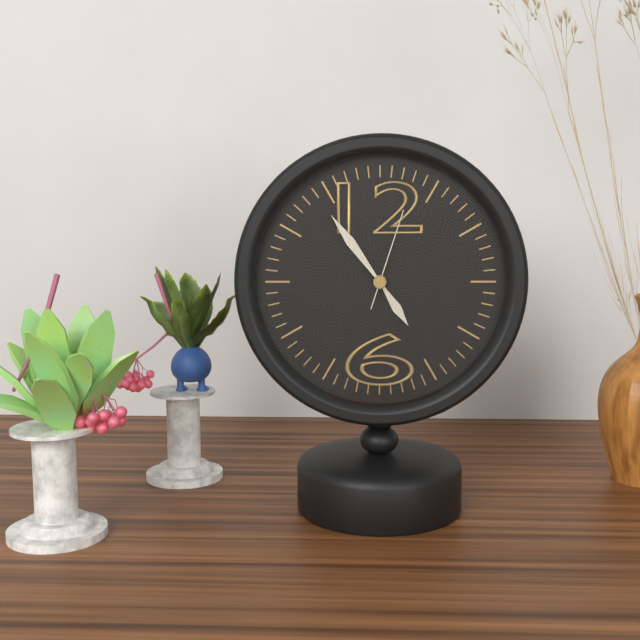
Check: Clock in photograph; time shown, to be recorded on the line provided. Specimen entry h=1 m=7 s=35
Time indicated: h=4 m=54 s=3
